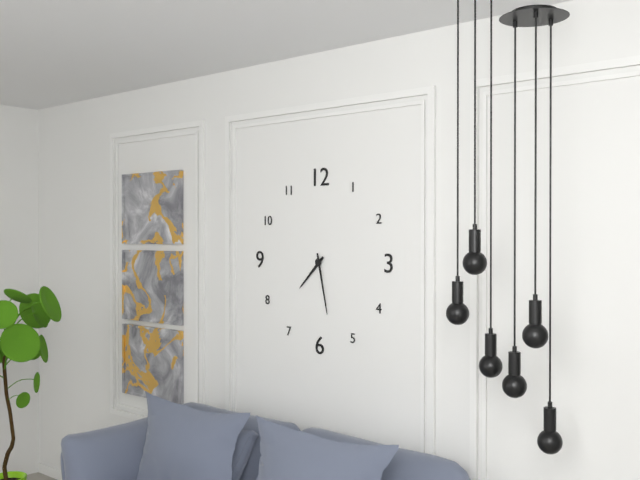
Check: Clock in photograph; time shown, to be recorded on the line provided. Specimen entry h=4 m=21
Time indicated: h=7 m=28
